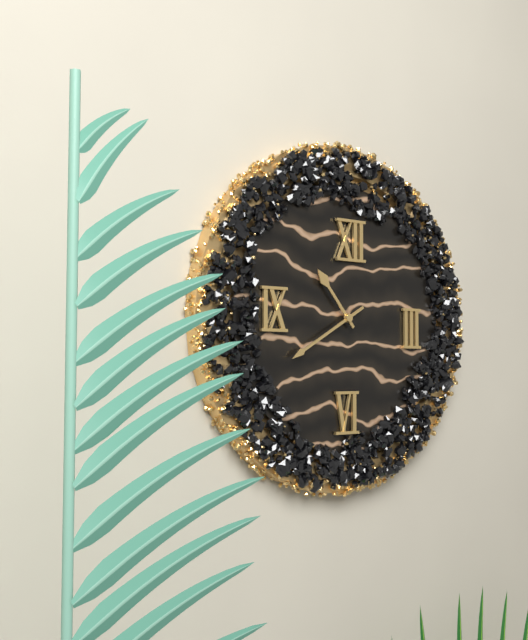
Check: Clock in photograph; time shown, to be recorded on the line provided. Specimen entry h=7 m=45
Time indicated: h=10 m=40
